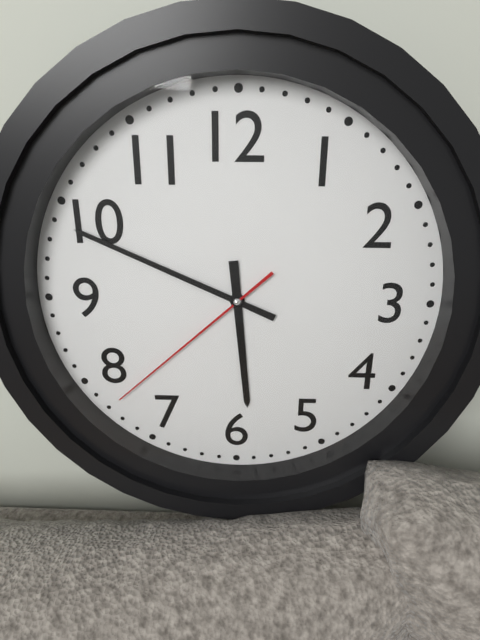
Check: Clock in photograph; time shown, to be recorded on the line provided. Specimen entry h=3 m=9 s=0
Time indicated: h=5 m=49 s=38
